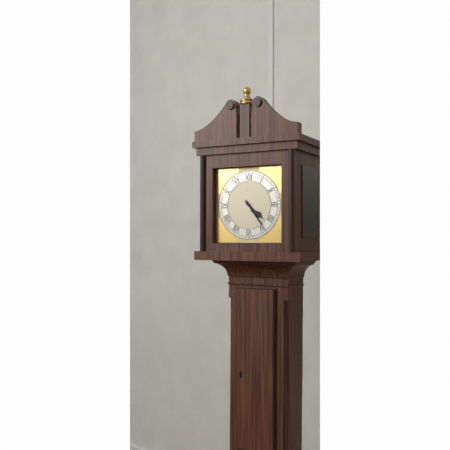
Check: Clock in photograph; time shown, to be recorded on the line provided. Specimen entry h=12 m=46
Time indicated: h=4 m=24
